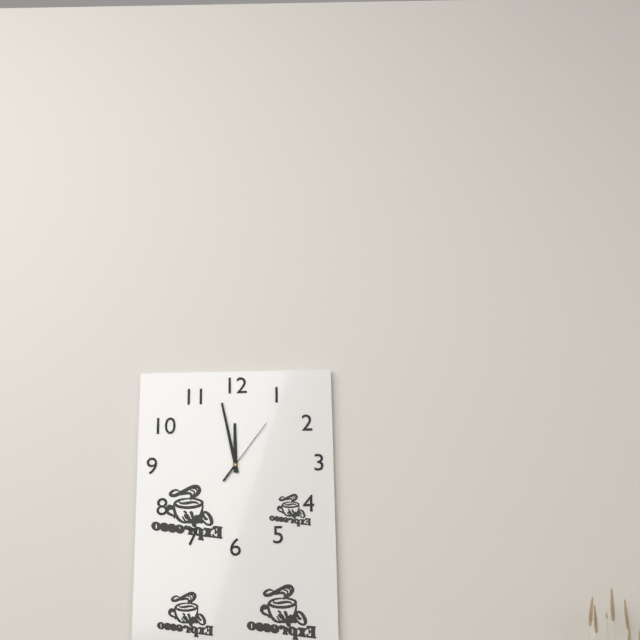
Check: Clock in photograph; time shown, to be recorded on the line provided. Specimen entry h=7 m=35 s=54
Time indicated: h=11 m=58 s=6
